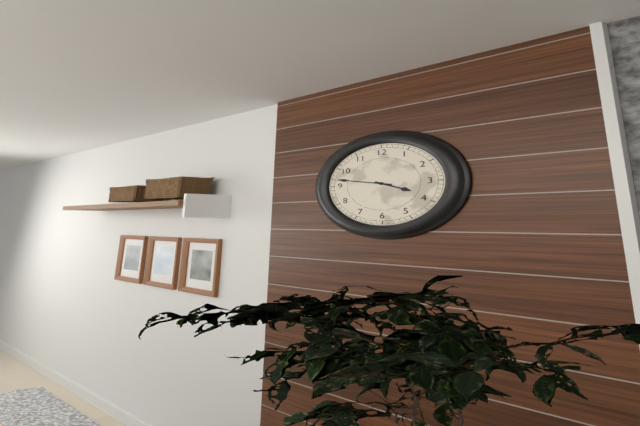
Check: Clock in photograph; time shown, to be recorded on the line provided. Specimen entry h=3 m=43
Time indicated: h=3 m=47
